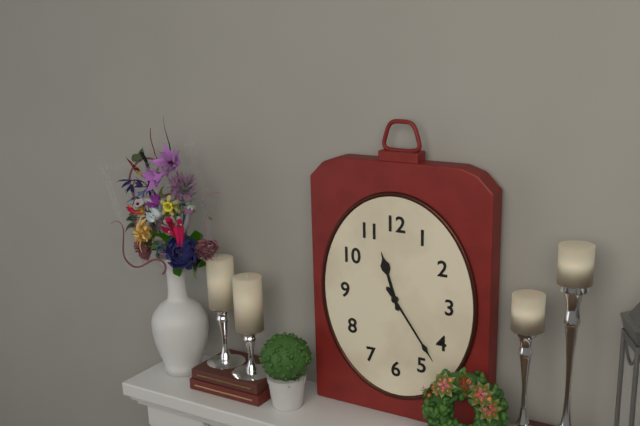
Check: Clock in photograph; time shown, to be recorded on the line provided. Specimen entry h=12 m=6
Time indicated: h=11 m=24
